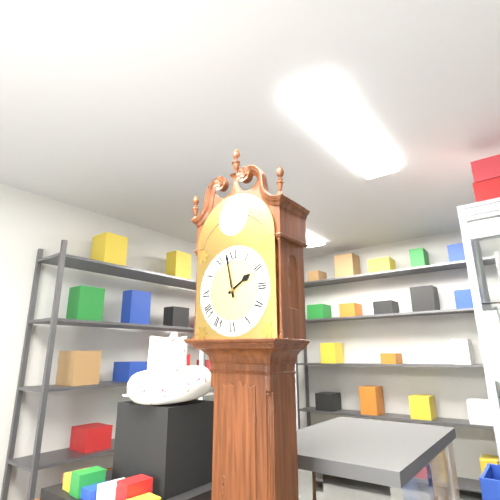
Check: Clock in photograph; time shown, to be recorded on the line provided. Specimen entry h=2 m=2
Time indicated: h=1 m=58
